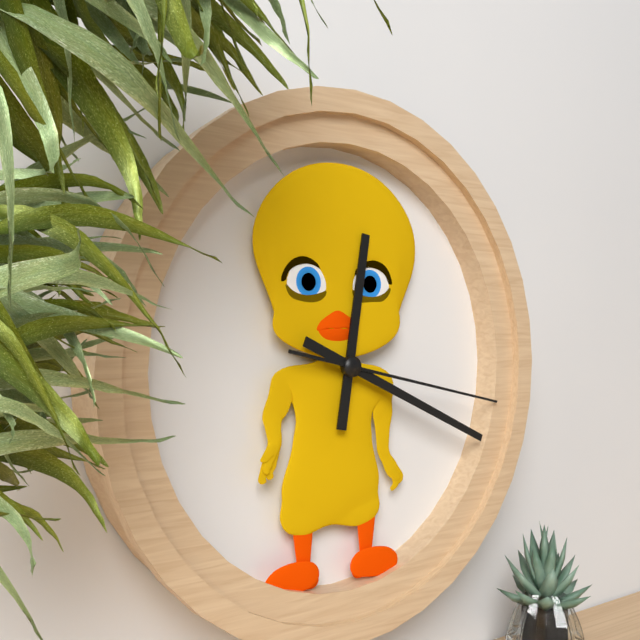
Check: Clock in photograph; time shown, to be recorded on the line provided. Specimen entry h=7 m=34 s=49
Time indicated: h=12 m=19 s=17
